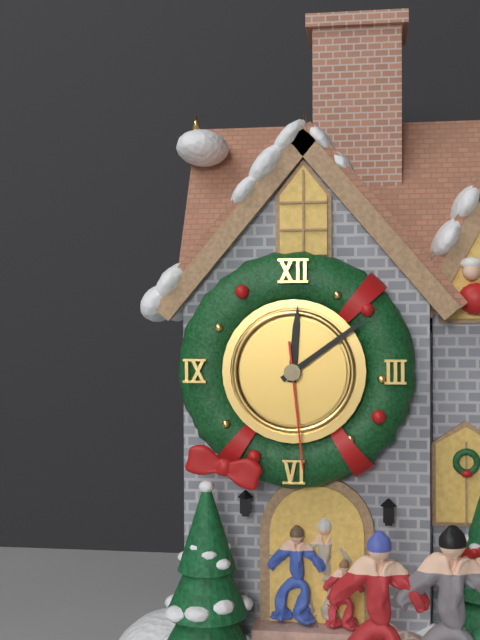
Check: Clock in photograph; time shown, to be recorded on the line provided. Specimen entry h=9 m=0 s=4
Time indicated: h=12 m=9 s=29
